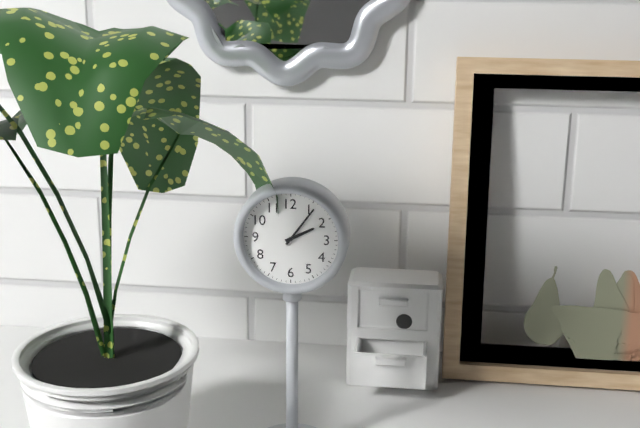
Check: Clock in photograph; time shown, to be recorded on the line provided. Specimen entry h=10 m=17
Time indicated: h=2 m=6
